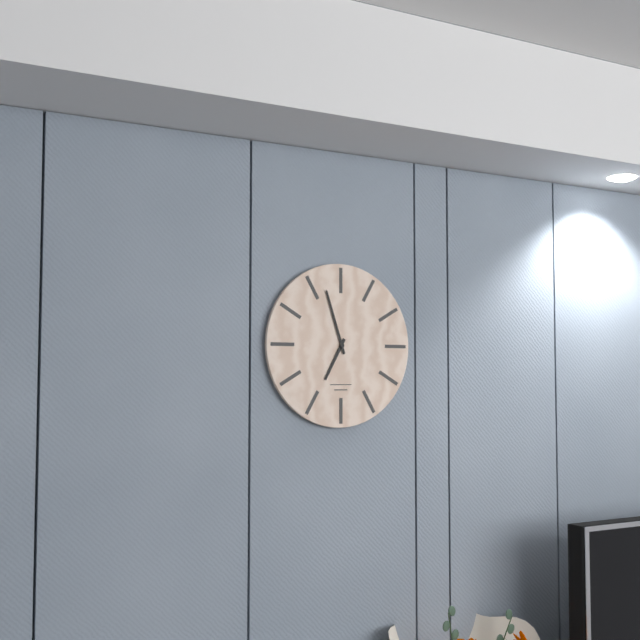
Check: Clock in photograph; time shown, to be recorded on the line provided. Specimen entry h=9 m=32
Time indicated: h=6 m=57
